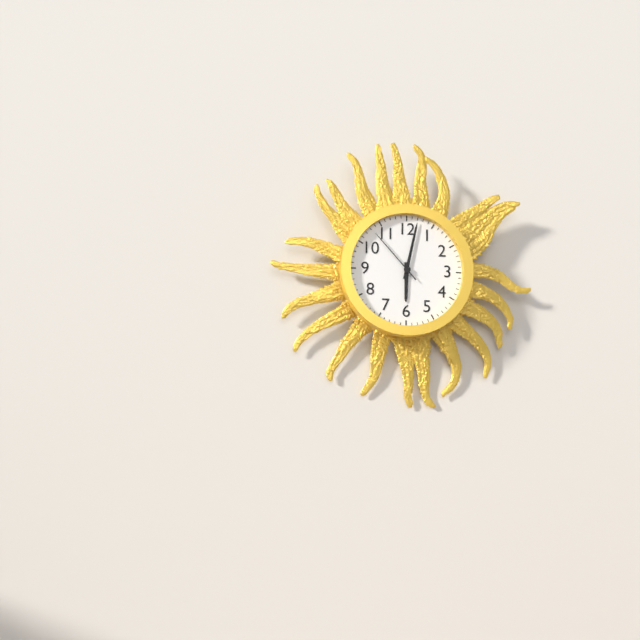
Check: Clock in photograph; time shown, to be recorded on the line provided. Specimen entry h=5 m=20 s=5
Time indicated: h=6 m=2 s=53
